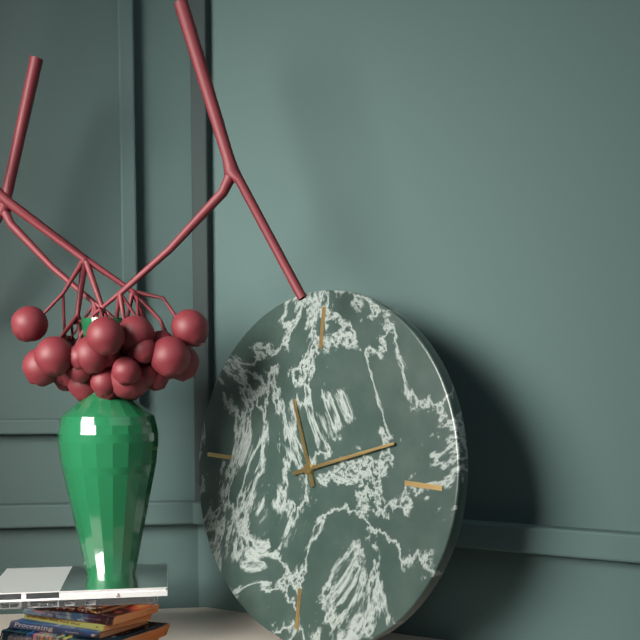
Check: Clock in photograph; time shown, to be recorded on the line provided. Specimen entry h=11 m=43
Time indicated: h=11 m=12
